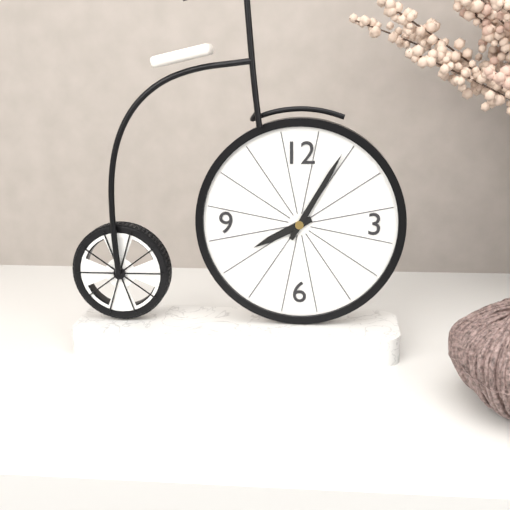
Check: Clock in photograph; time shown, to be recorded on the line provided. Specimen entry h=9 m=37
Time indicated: h=8 m=5
